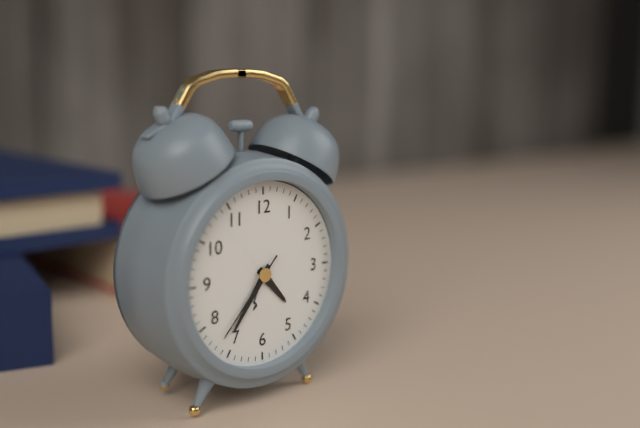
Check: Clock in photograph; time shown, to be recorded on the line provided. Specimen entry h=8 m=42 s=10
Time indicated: h=4 m=36 s=37
